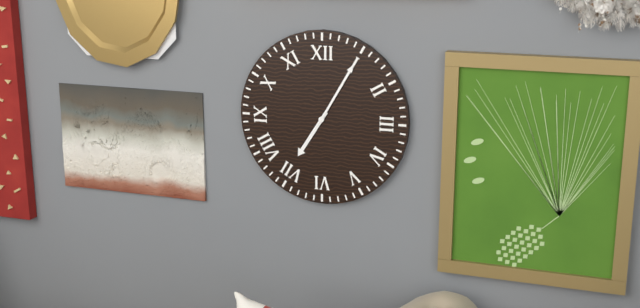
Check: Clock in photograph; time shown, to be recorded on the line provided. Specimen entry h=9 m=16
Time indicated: h=7 m=5
